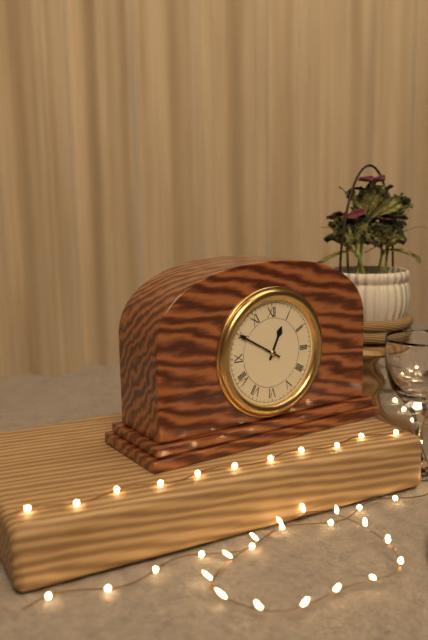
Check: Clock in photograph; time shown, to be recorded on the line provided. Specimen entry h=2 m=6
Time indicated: h=12 m=50
